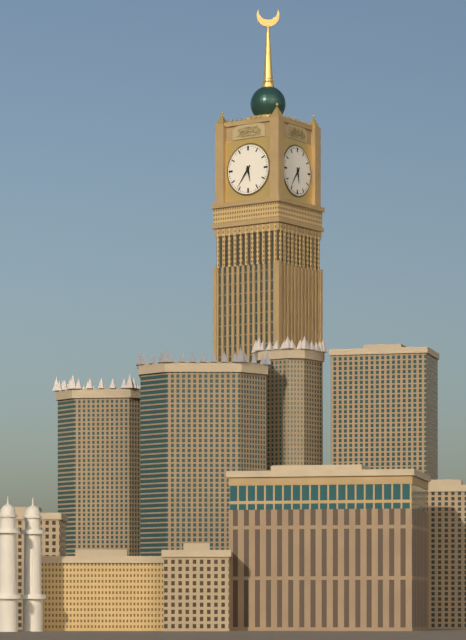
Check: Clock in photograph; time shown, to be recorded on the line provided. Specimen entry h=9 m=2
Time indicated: h=5 m=36
